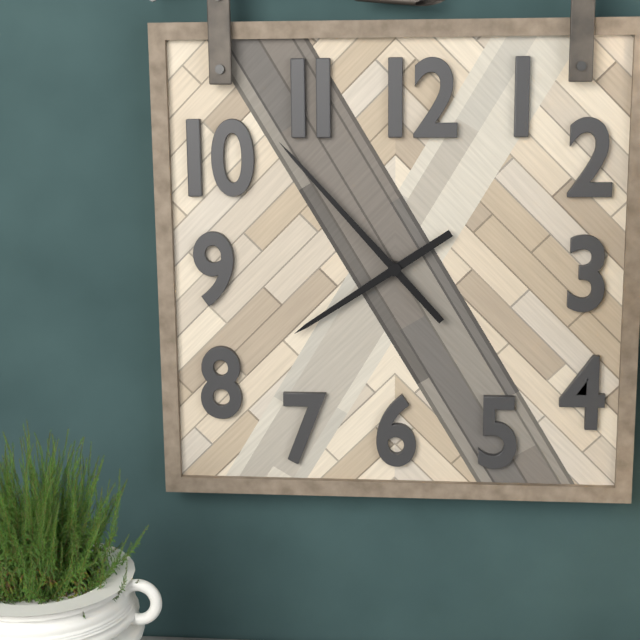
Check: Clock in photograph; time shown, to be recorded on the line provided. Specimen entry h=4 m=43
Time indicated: h=7 m=53
